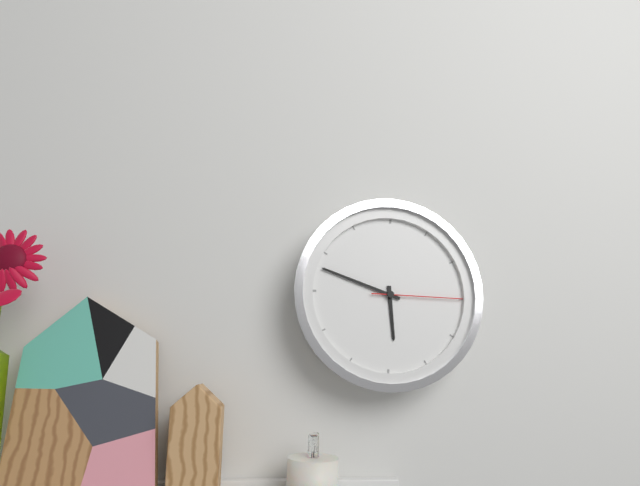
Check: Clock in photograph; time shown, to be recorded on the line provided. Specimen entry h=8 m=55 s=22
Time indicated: h=5 m=48 s=15
